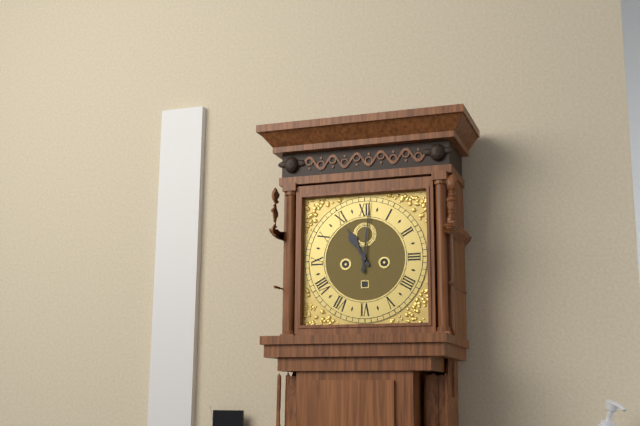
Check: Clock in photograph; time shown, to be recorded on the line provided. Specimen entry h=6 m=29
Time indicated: h=11 m=1
